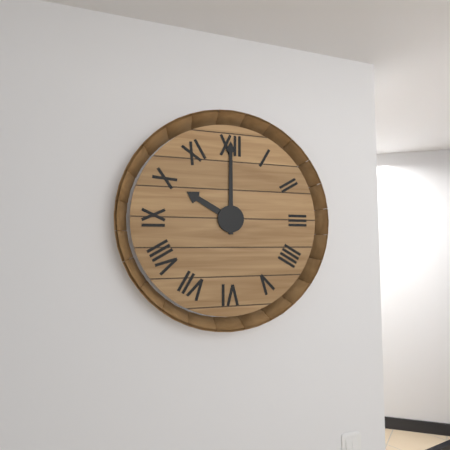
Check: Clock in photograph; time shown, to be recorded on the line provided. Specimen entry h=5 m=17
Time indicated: h=10 m=0
